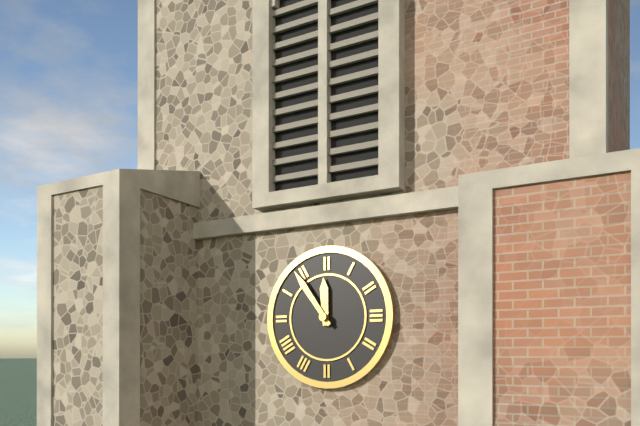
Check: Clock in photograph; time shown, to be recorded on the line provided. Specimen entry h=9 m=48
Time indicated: h=11 m=54
